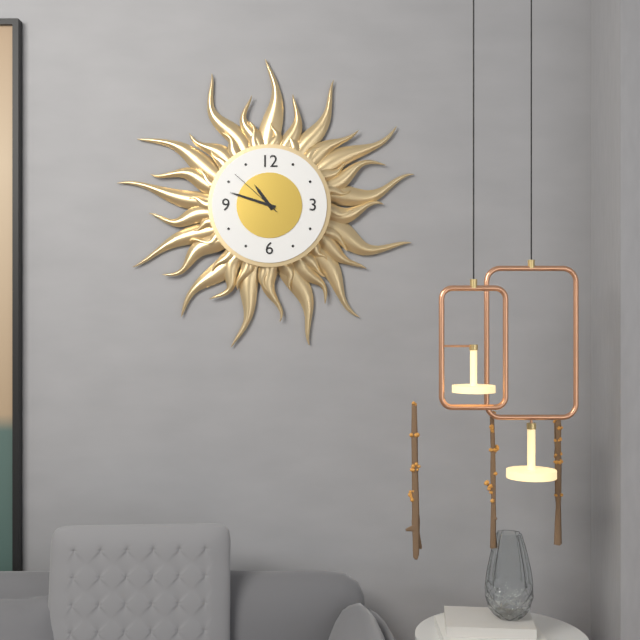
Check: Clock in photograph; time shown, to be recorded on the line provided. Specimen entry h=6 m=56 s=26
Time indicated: h=10 m=48 s=52
